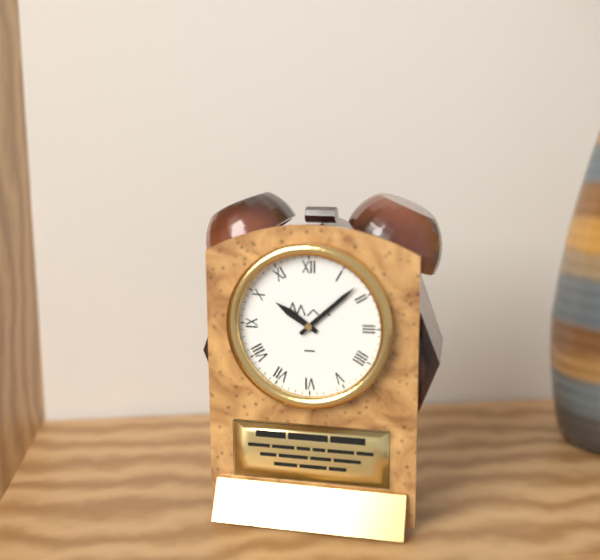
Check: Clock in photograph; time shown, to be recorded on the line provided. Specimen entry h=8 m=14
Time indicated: h=10 m=8
